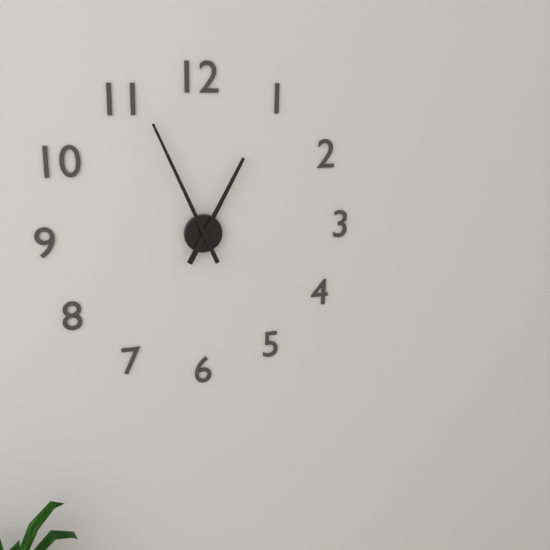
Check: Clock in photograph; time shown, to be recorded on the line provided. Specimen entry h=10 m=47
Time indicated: h=12 m=56
